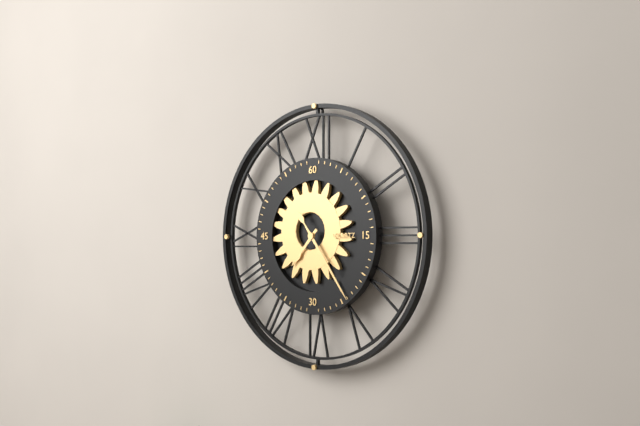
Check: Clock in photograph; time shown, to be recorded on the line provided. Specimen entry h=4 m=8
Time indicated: h=7 m=24
